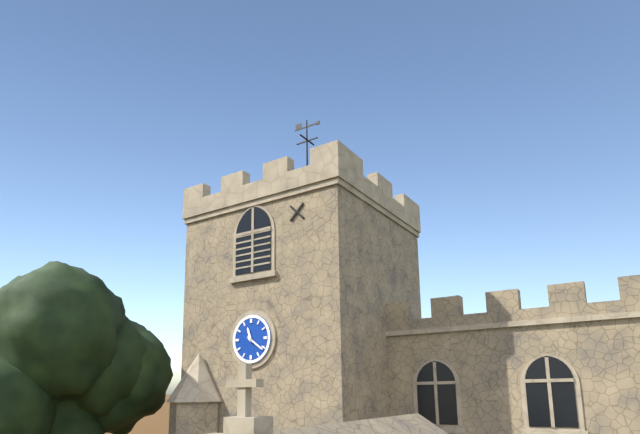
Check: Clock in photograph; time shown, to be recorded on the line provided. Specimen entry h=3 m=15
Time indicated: h=11 m=21
